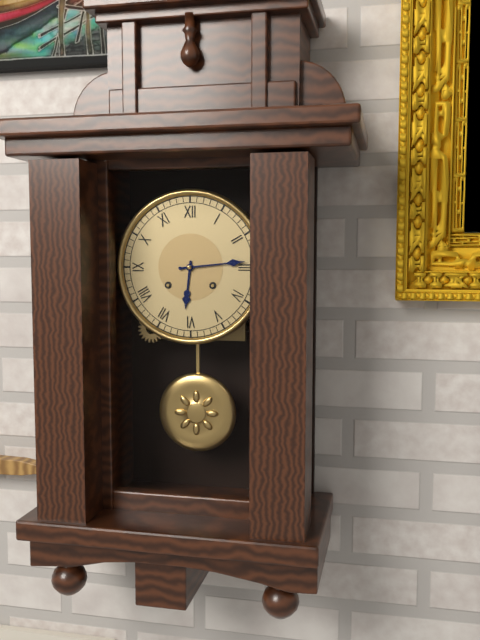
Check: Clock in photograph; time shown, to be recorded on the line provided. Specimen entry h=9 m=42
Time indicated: h=6 m=14
